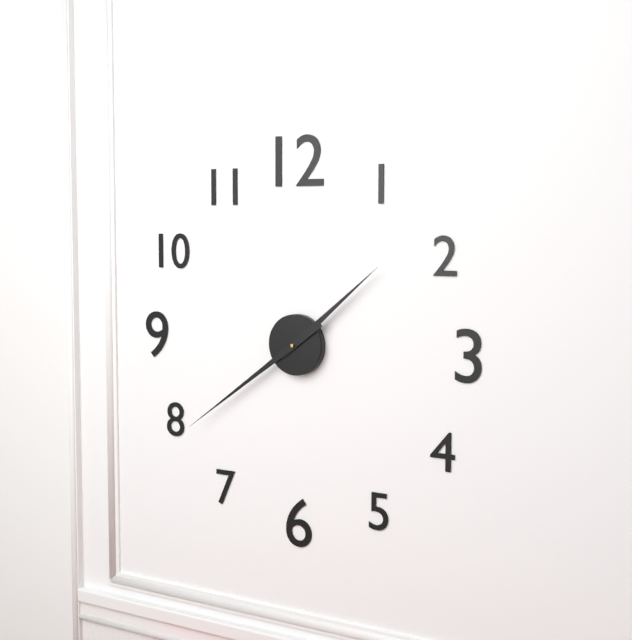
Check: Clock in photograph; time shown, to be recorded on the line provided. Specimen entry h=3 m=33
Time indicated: h=1 m=39
